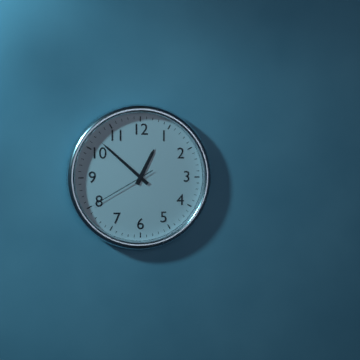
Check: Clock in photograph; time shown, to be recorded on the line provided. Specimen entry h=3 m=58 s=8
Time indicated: h=12 m=52 s=40
